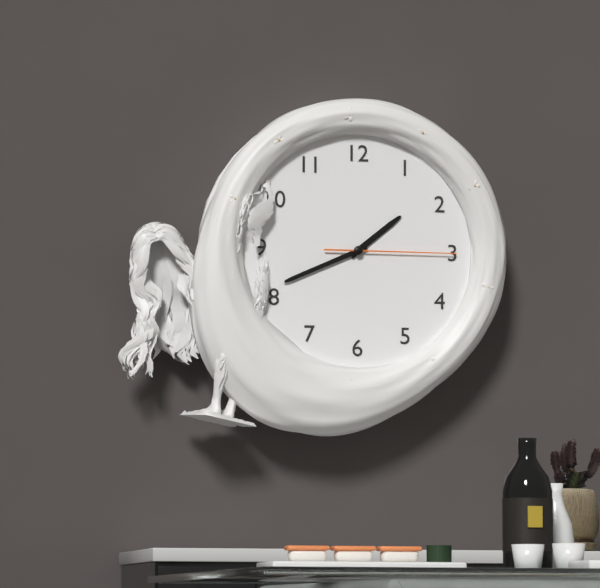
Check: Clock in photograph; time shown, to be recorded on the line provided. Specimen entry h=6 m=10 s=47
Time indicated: h=1 m=41 s=15
